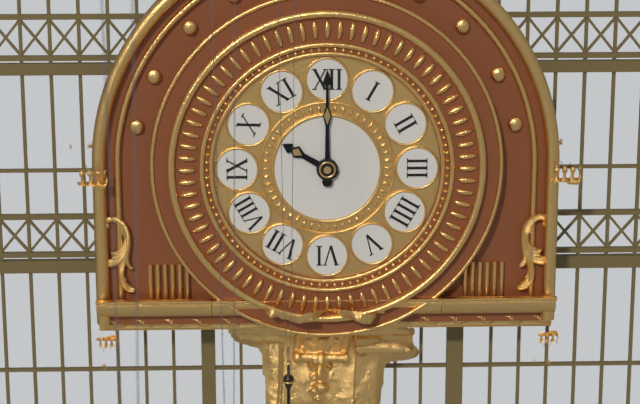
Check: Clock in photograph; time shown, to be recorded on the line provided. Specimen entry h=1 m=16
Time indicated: h=10 m=0
